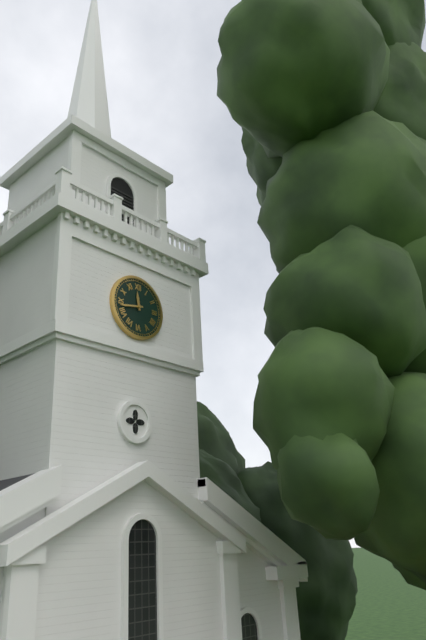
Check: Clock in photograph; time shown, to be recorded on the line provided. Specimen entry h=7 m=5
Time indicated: h=11 m=43
